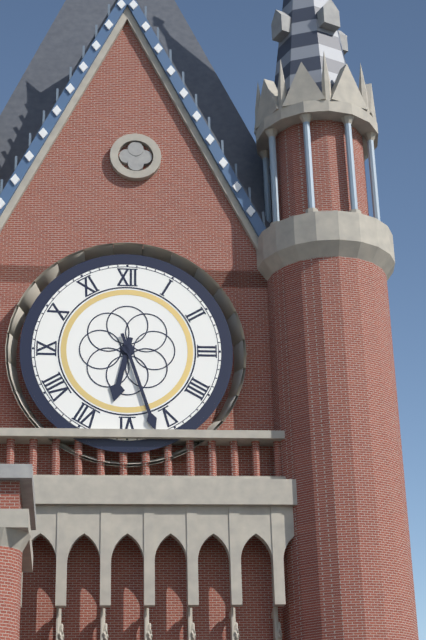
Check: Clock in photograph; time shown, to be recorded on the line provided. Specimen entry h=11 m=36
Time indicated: h=6 m=27
